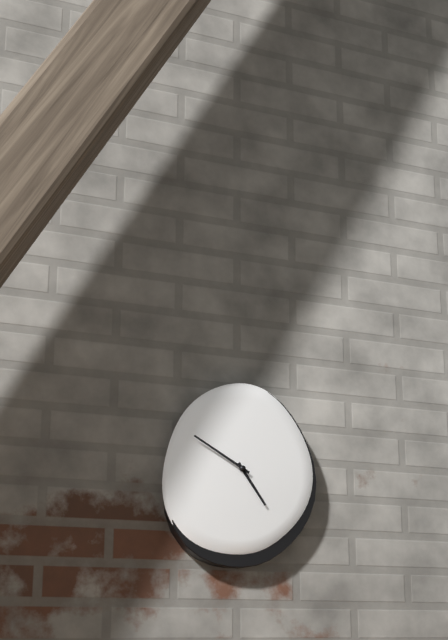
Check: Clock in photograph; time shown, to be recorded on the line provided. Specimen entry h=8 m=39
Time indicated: h=4 m=50
